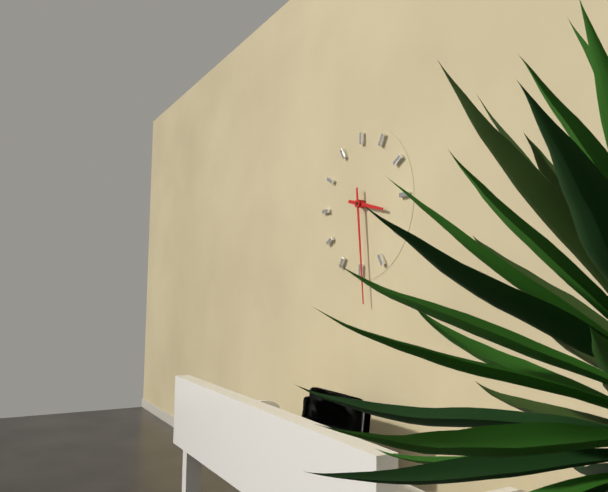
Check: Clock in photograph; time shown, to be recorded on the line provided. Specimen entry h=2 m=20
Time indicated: h=3 m=29
